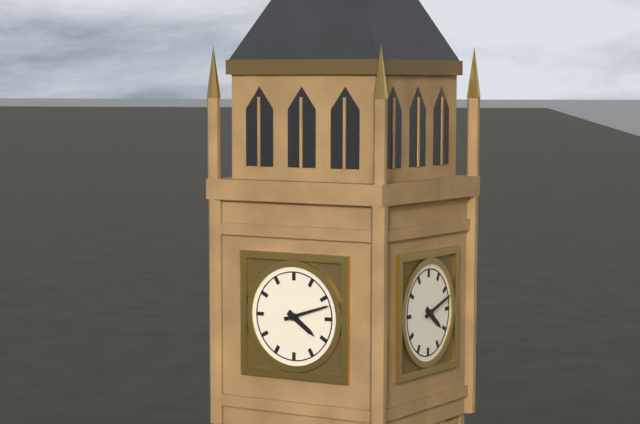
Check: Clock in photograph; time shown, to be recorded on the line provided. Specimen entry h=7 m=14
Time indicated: h=4 m=12
